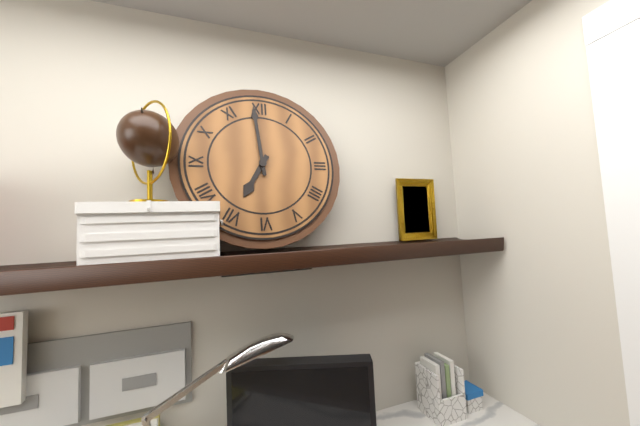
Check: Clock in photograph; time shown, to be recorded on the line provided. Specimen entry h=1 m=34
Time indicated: h=6 m=59
